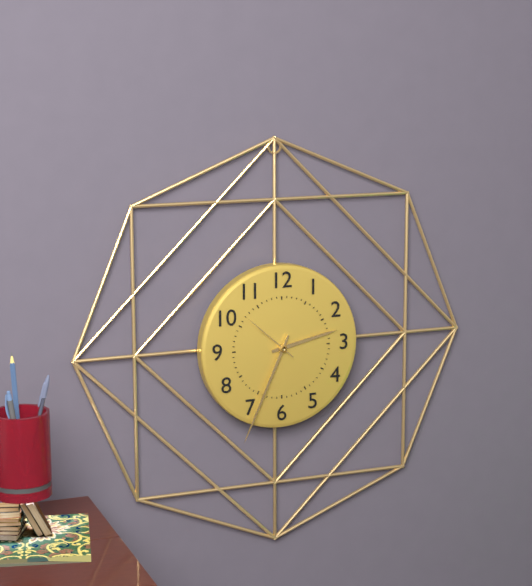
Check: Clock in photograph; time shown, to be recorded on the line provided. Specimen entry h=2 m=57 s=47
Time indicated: h=2 m=34 s=52
